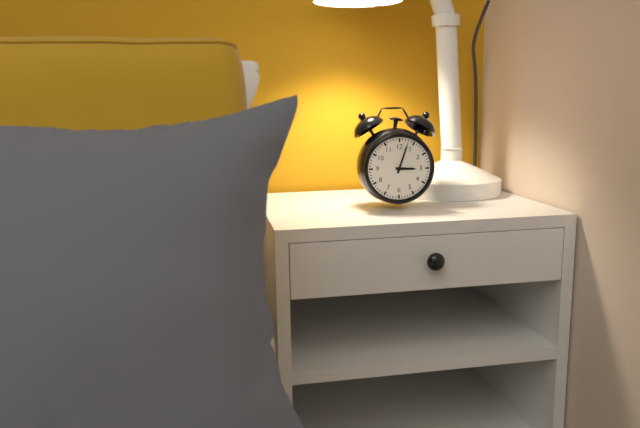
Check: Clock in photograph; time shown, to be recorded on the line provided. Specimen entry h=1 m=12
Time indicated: h=3 m=3
